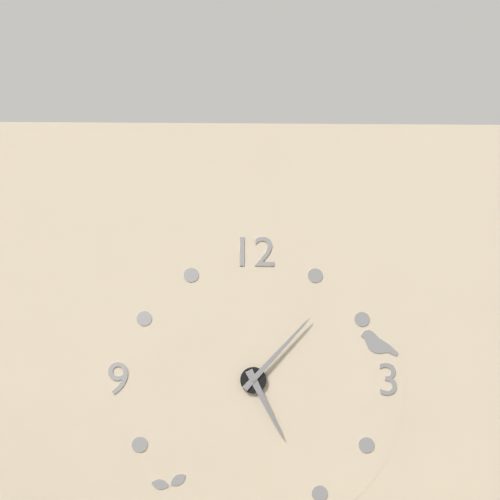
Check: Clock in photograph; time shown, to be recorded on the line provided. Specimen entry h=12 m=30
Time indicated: h=5 m=7
